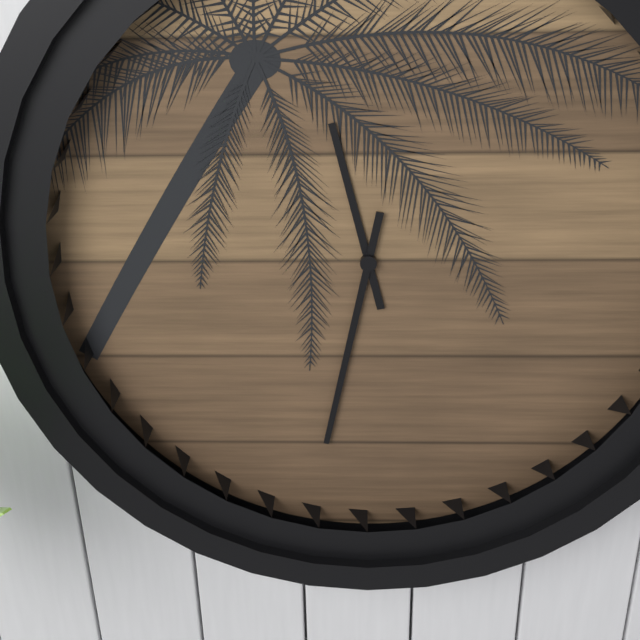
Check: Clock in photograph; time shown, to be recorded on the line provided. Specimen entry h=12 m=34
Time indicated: h=11 m=32
